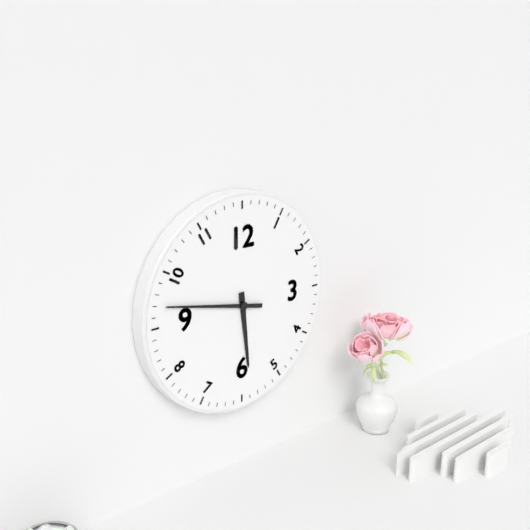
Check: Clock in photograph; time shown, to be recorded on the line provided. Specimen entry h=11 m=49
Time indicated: h=5 m=47
